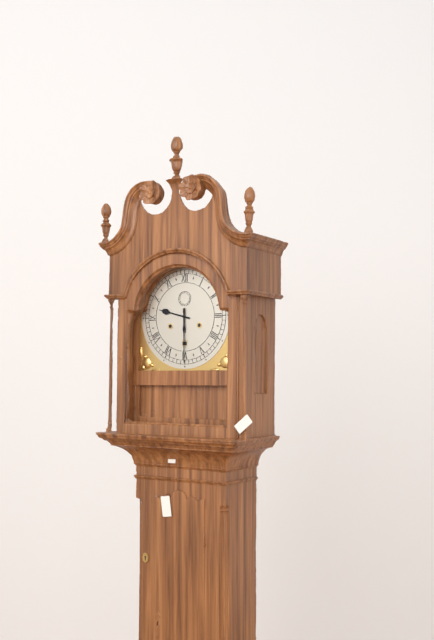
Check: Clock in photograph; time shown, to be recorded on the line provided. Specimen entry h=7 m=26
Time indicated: h=9 m=30
